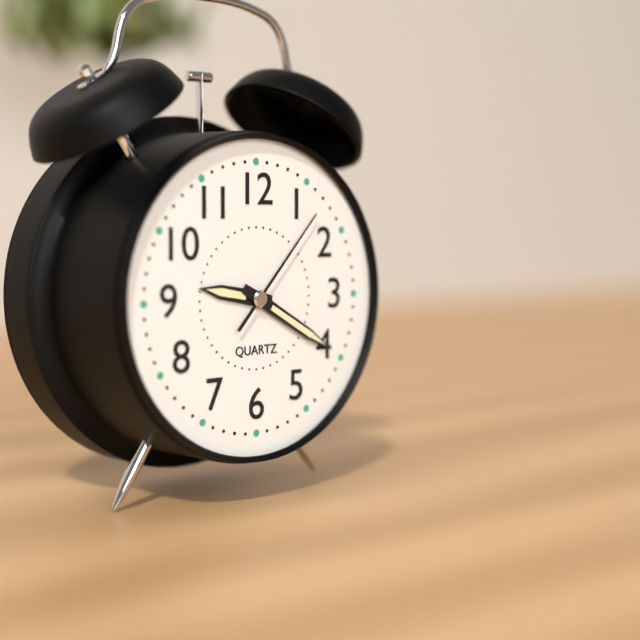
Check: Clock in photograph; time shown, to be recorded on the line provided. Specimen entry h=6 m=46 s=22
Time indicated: h=9 m=20 s=7
